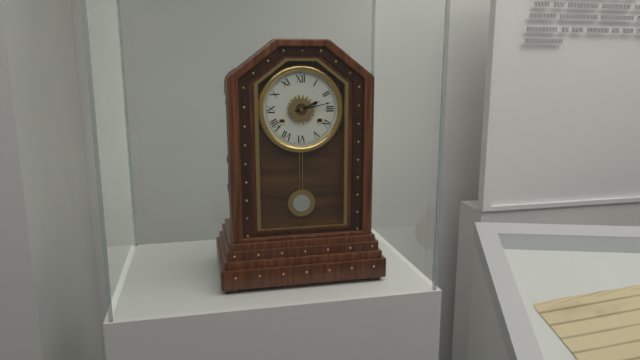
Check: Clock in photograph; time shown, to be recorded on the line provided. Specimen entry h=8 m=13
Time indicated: h=2 m=13
